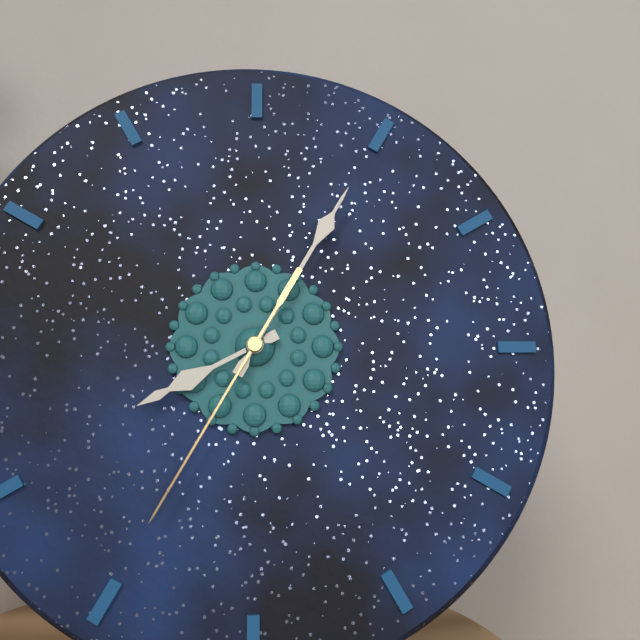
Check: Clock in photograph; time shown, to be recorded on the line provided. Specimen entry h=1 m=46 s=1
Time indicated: h=8 m=5 s=35
